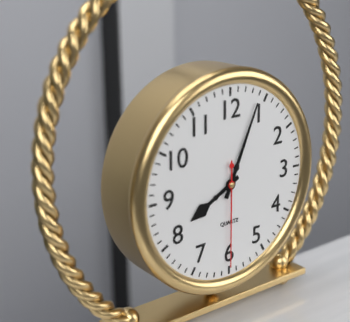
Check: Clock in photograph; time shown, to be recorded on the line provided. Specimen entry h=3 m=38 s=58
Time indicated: h=8 m=4 s=30
